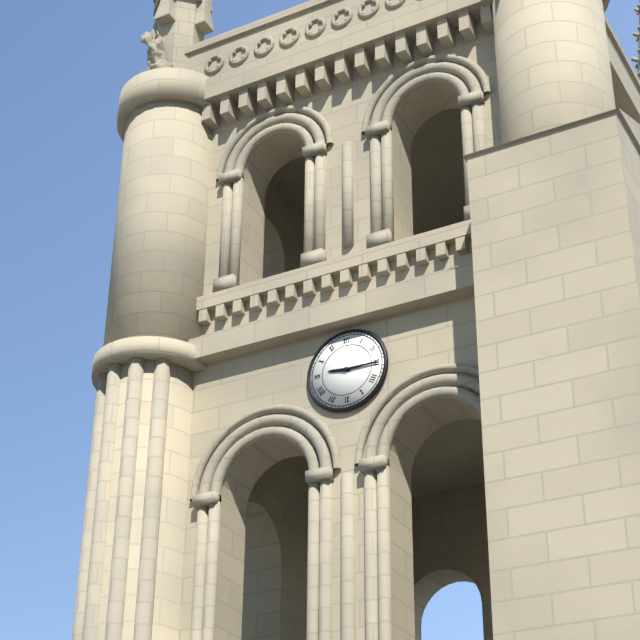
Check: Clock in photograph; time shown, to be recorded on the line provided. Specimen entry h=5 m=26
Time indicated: h=9 m=15
